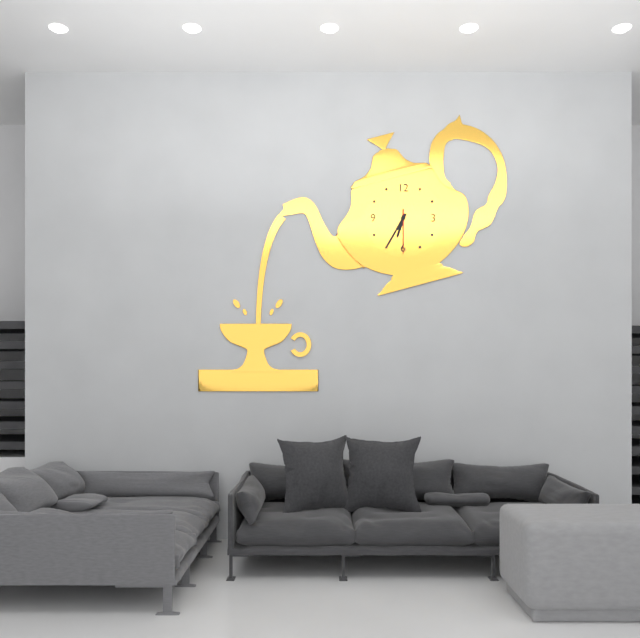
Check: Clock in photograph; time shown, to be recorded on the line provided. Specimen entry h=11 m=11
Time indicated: h=6 m=35
